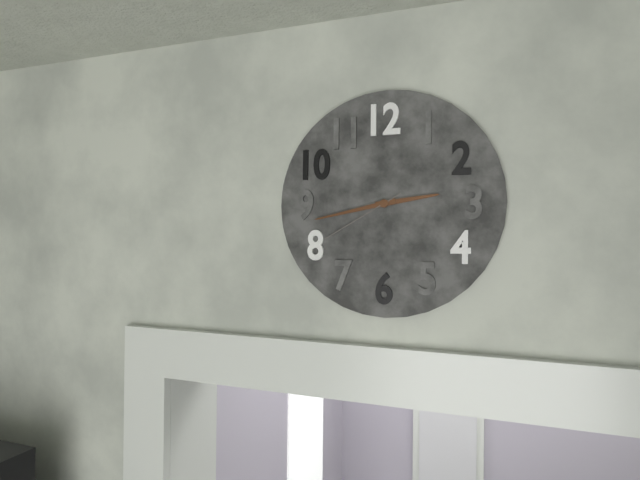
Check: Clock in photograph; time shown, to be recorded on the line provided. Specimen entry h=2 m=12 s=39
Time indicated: h=2 m=43 s=40
